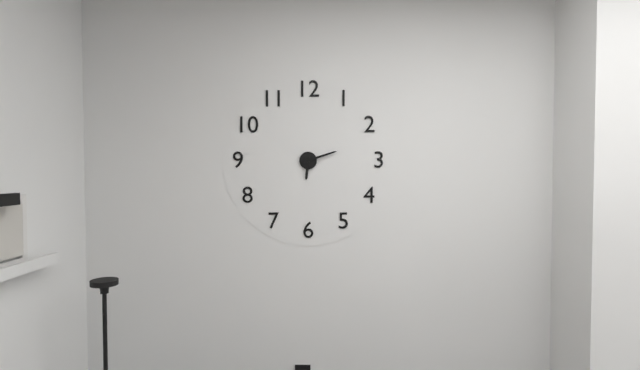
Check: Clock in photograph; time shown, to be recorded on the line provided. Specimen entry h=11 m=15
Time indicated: h=6 m=12
